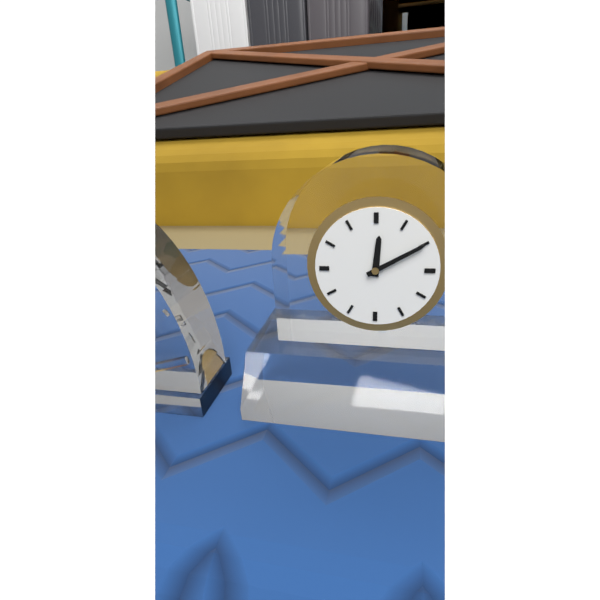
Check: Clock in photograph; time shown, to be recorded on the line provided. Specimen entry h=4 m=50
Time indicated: h=12 m=10
